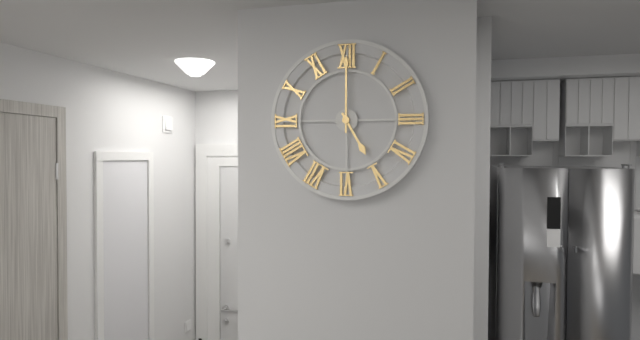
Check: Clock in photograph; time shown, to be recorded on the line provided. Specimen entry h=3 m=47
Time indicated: h=5 m=0
